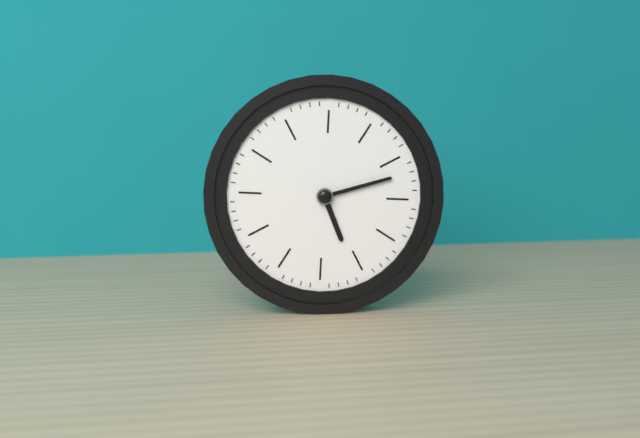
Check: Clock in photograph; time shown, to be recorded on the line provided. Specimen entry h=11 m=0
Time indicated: h=5 m=12
